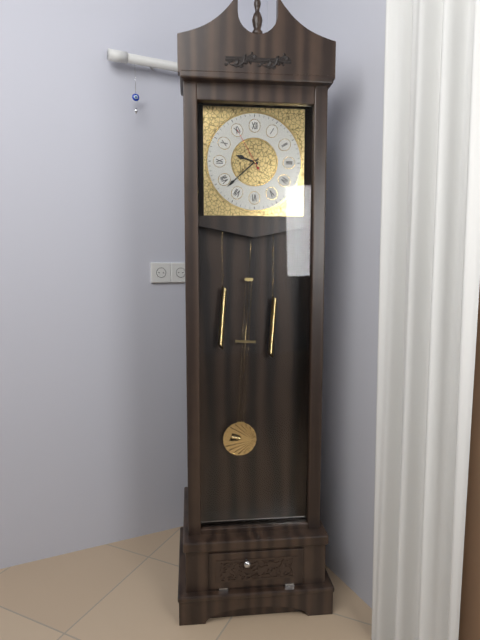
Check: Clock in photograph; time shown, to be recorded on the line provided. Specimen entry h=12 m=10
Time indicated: h=9 m=38
